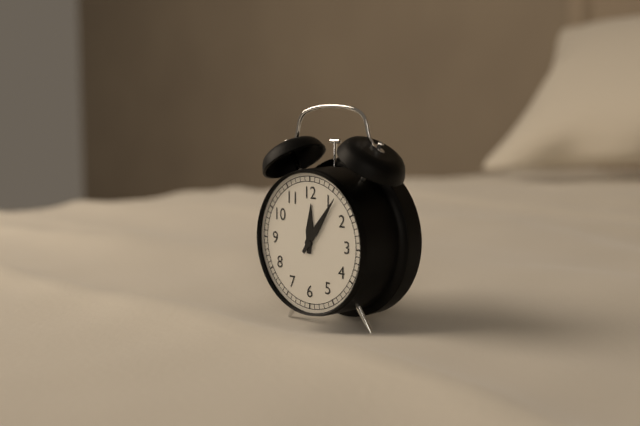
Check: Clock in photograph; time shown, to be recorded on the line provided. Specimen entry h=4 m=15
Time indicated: h=12 m=6
